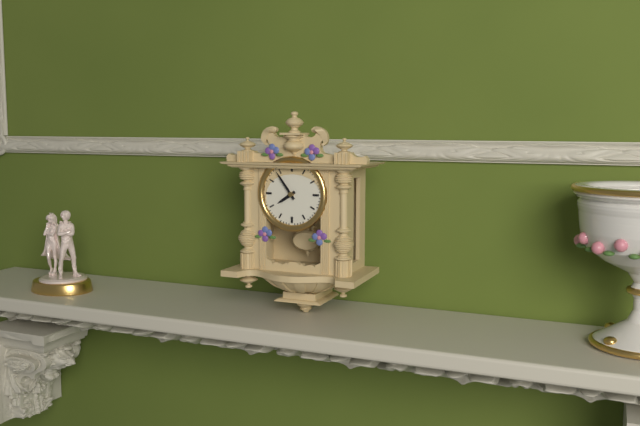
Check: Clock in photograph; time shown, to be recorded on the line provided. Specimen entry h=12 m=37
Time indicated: h=7 m=54
